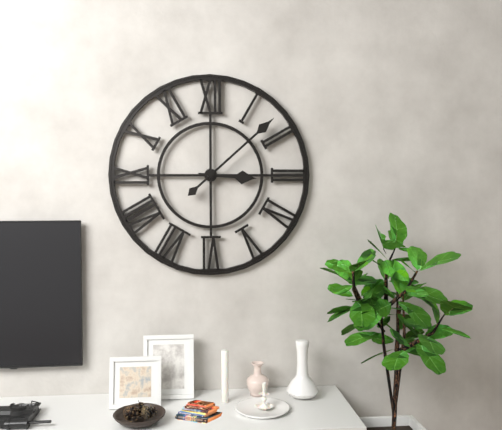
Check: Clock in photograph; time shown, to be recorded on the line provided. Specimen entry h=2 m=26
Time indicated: h=3 m=8
